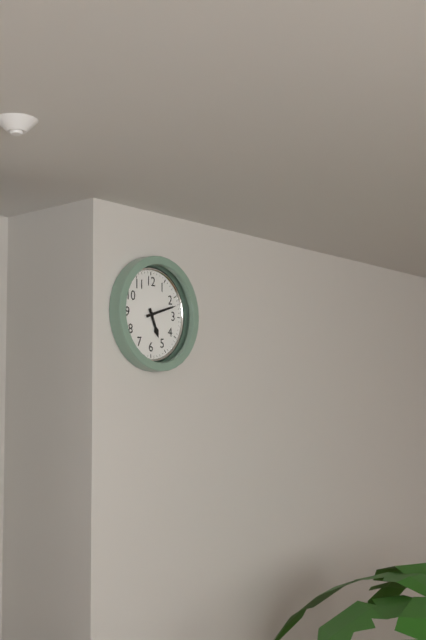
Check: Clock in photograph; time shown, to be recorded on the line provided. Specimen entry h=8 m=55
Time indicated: h=5 m=12
